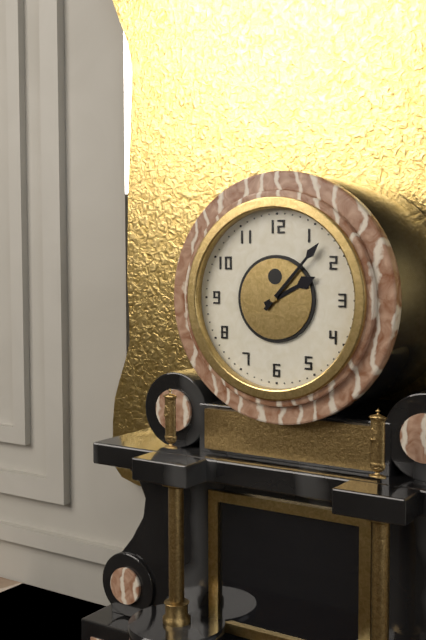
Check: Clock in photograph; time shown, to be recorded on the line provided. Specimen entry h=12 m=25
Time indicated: h=2 m=7
